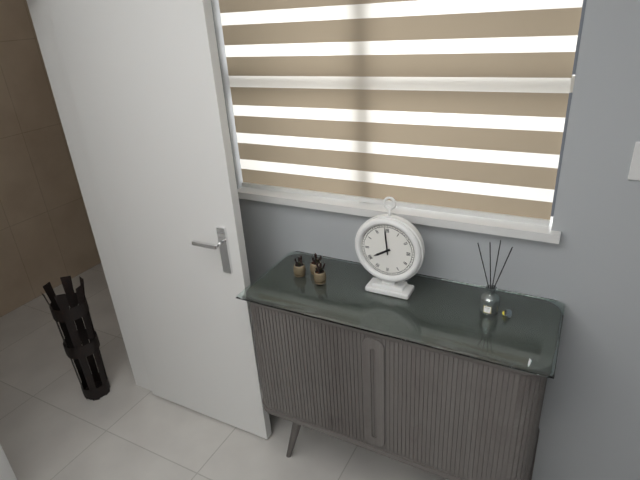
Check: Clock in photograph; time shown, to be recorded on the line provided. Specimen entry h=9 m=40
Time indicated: h=7 m=59
